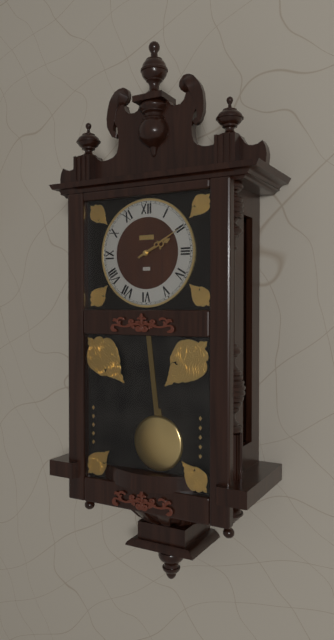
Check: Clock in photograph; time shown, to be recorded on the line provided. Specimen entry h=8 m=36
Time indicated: h=2 m=10
